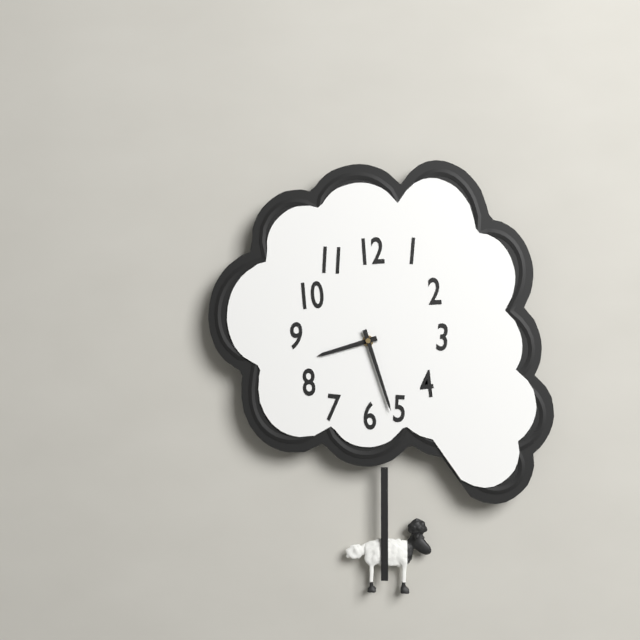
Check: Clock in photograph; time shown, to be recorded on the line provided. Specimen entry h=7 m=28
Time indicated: h=8 m=27
